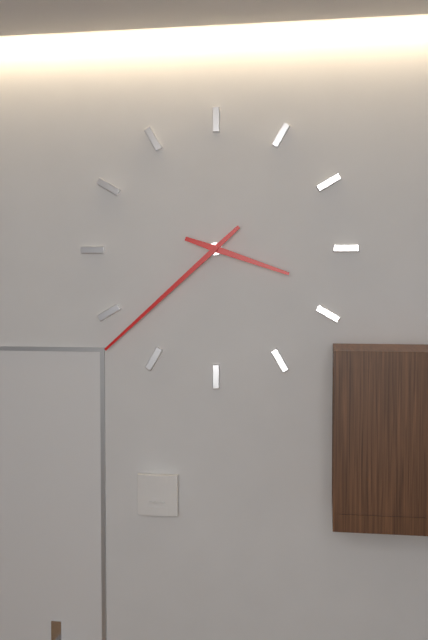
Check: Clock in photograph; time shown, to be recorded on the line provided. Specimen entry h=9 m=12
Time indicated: h=3 m=38
